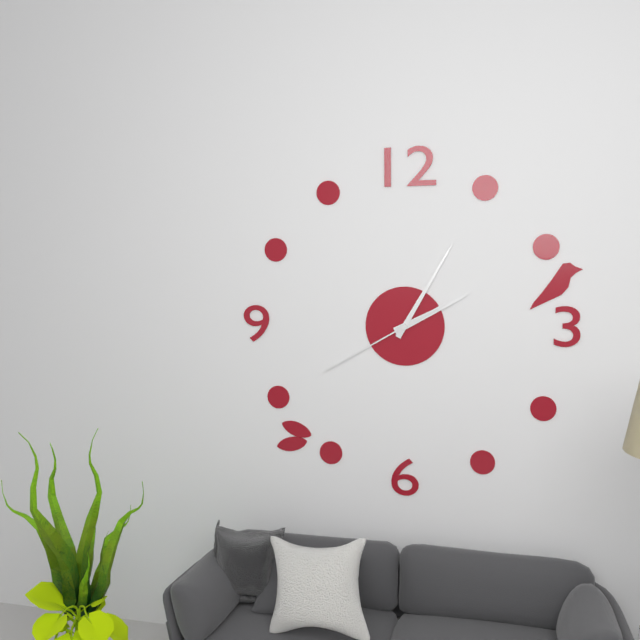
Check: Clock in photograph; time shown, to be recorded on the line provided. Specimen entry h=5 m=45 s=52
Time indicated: h=2 m=5 s=40
